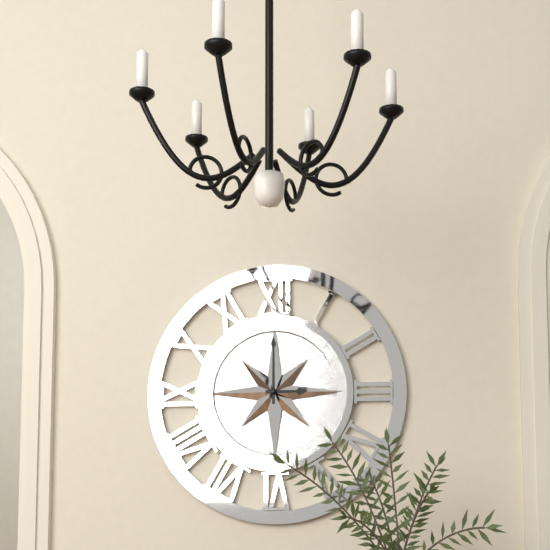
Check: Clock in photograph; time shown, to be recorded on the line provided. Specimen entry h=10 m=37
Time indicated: h=3 m=0
